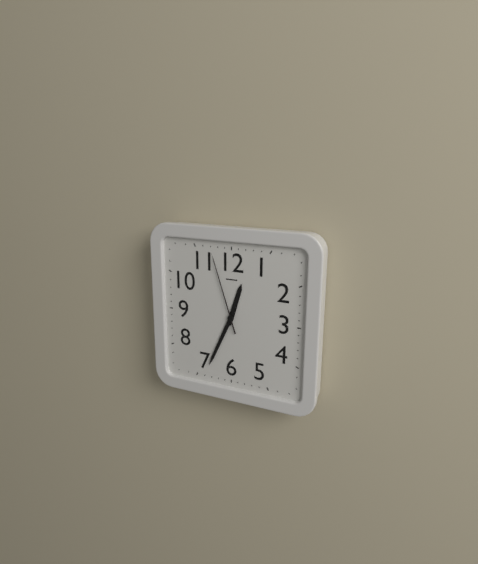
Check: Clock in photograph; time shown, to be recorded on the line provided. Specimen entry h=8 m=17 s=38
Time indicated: h=12 m=34 s=57
